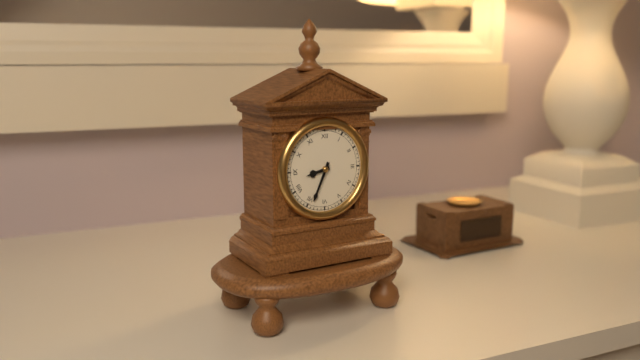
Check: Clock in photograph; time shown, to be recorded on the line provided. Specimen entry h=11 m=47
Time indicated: h=8 m=34
